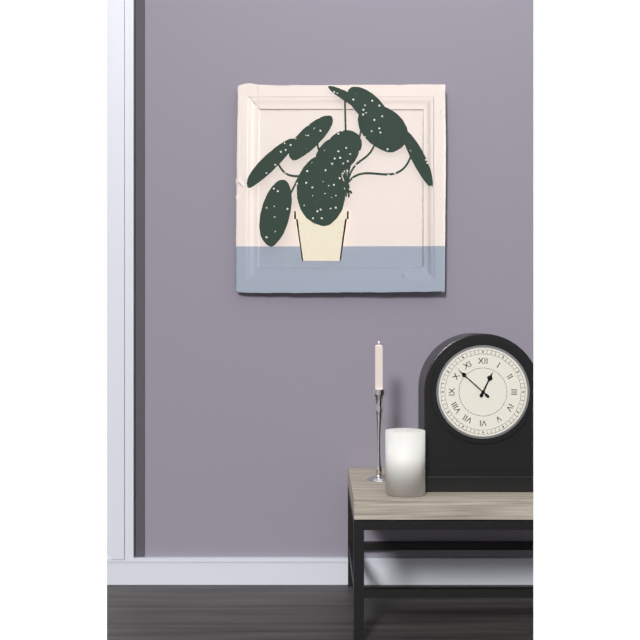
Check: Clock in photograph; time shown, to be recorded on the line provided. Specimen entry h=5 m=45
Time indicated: h=12 m=52
